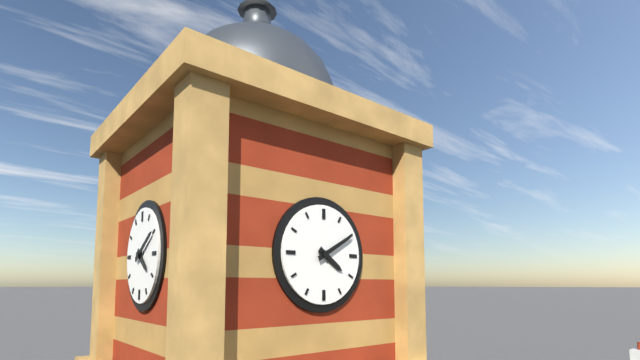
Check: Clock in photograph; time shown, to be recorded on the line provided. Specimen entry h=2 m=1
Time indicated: h=4 m=10
